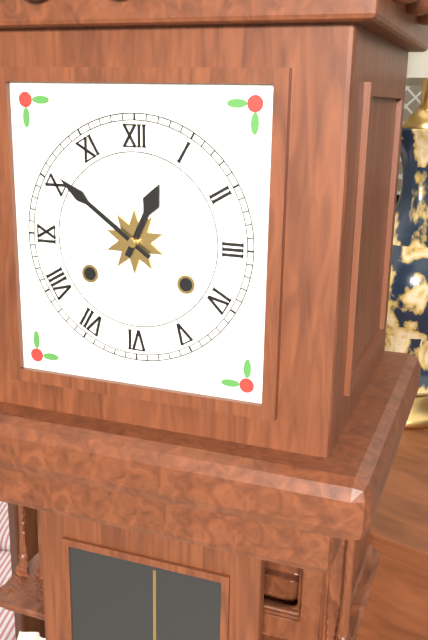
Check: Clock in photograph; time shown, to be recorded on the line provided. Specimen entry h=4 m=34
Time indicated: h=12 m=51
